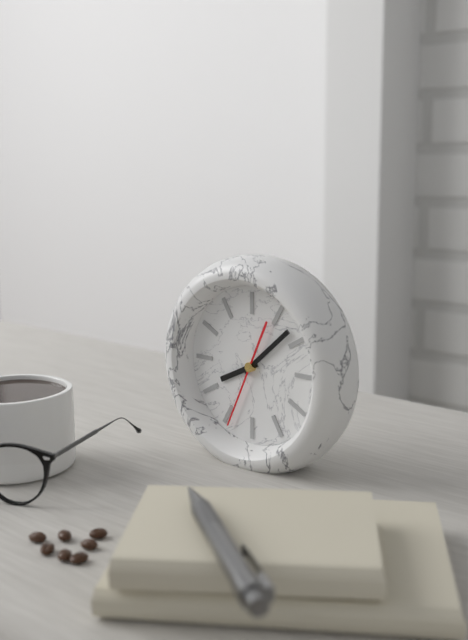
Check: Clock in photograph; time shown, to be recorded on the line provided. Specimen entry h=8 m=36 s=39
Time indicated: h=8 m=8 s=34
